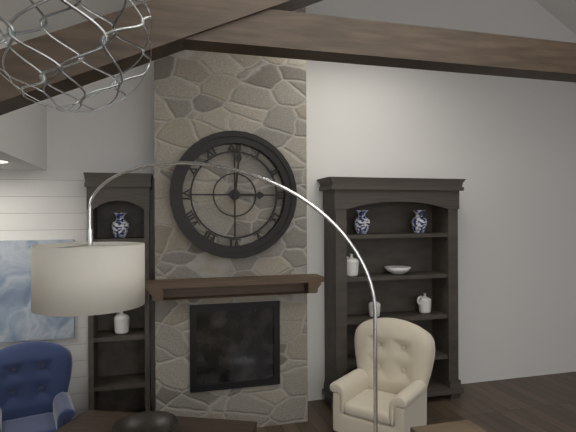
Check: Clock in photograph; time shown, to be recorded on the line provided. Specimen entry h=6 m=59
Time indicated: h=3 m=1
